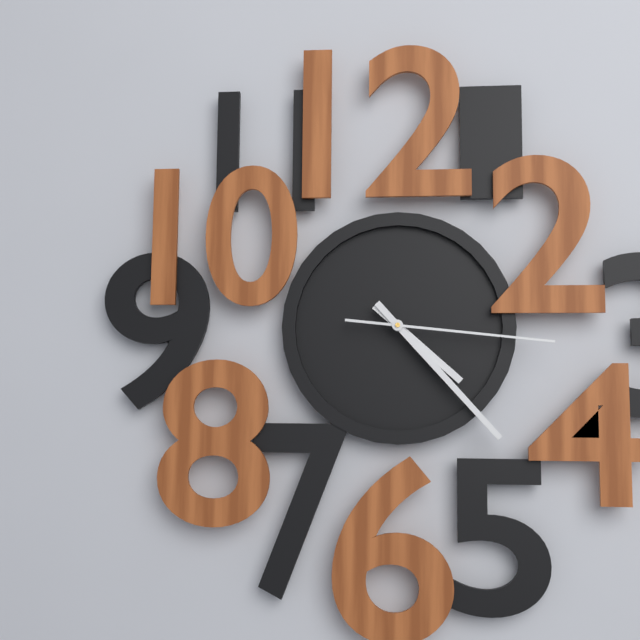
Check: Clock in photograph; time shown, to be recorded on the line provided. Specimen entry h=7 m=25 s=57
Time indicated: h=4 m=23 s=16
